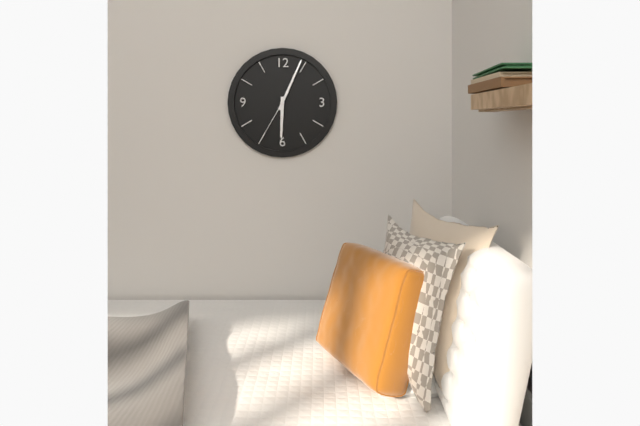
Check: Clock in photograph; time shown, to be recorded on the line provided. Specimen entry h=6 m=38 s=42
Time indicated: h=6 m=4 s=35
